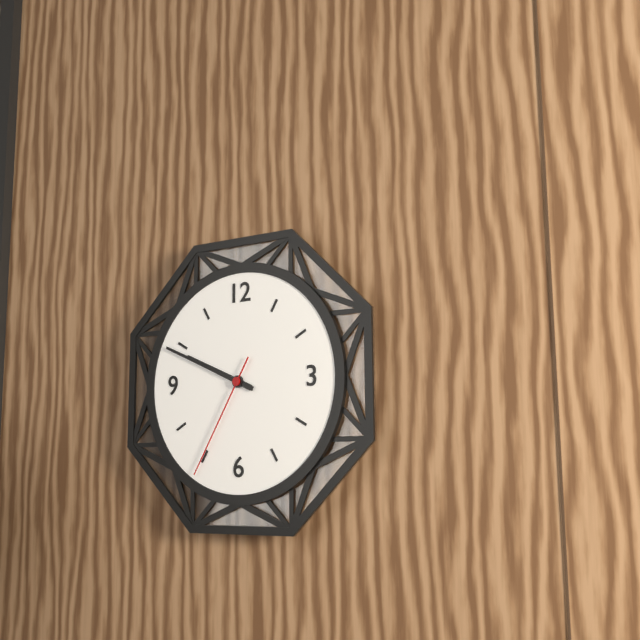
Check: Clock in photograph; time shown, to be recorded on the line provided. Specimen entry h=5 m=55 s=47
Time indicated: h=9 m=49 s=35
